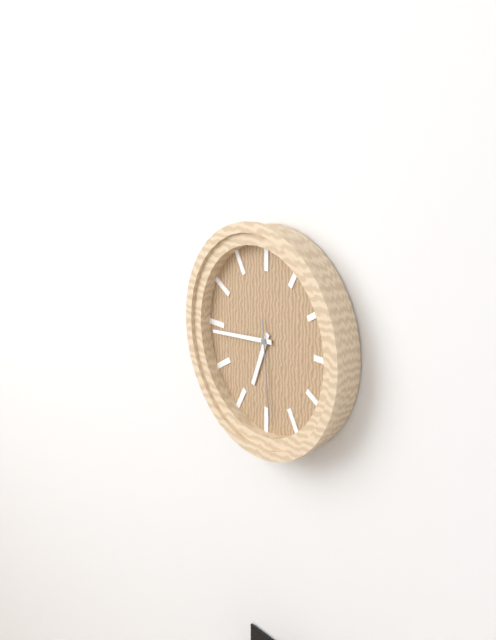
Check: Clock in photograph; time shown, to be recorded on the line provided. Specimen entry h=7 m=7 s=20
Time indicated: h=6 m=44 s=29
